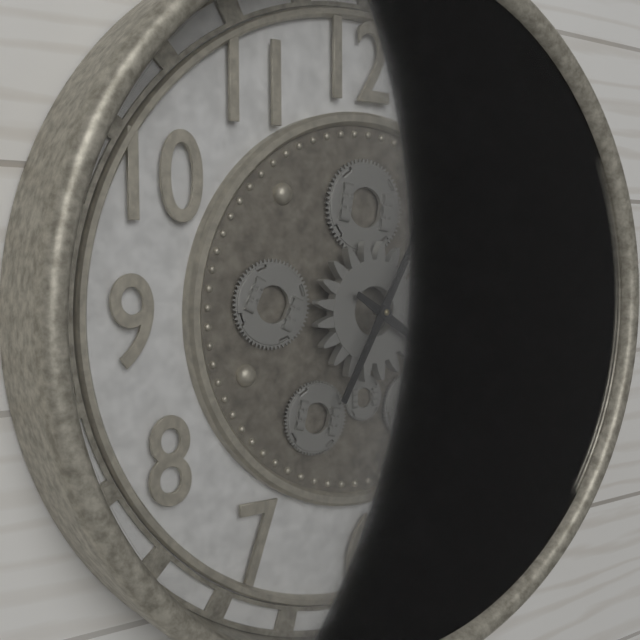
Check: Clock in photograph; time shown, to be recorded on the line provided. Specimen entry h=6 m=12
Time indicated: h=4 m=5
